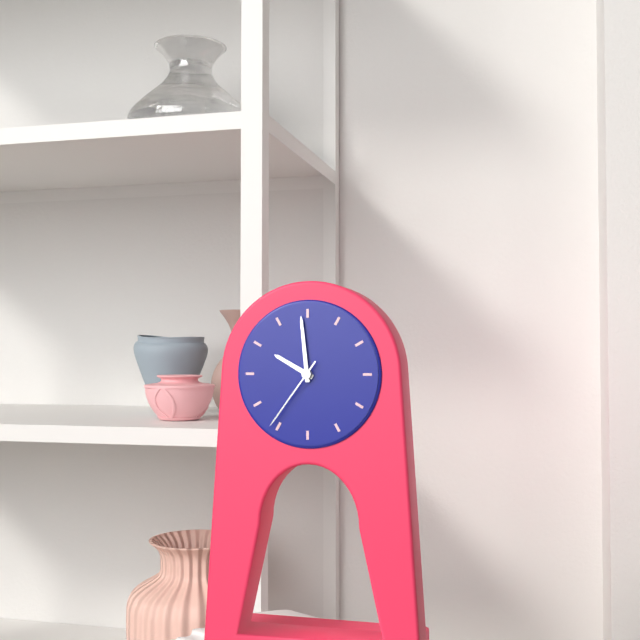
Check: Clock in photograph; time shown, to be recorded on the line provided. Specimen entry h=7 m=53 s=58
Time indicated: h=9 m=59 s=36
